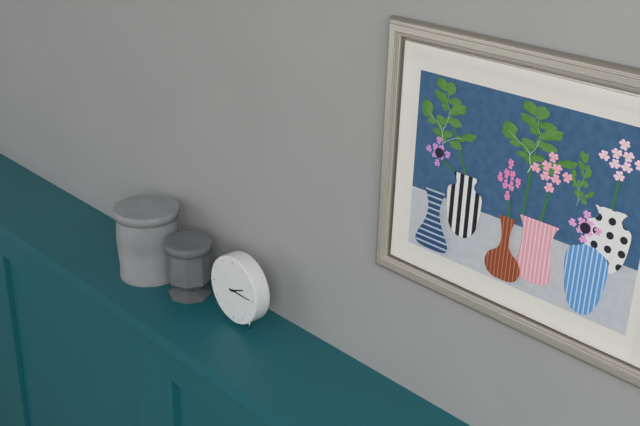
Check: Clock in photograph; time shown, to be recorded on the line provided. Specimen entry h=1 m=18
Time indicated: h=2 m=15
